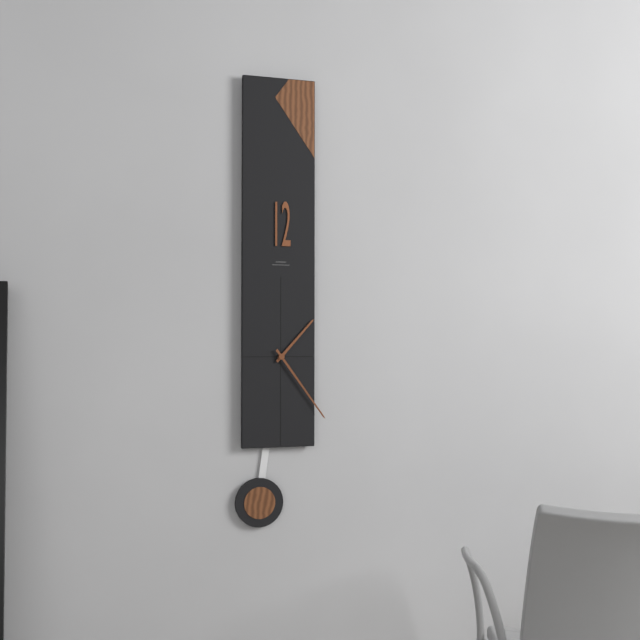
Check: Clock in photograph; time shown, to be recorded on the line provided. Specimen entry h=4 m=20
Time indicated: h=1 m=24
